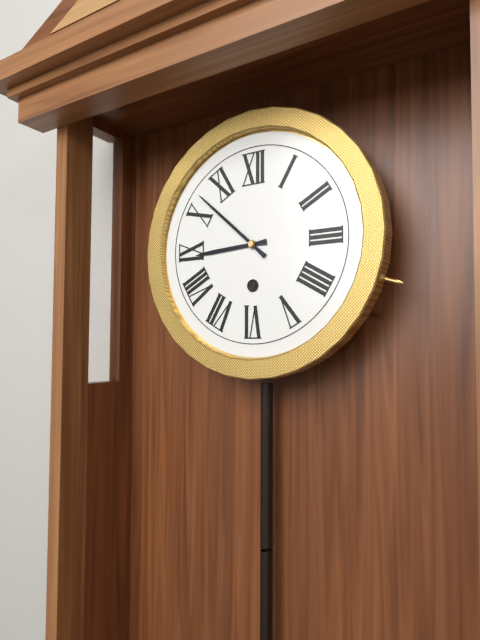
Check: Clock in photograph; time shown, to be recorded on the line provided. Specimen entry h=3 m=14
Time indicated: h=8 m=52
